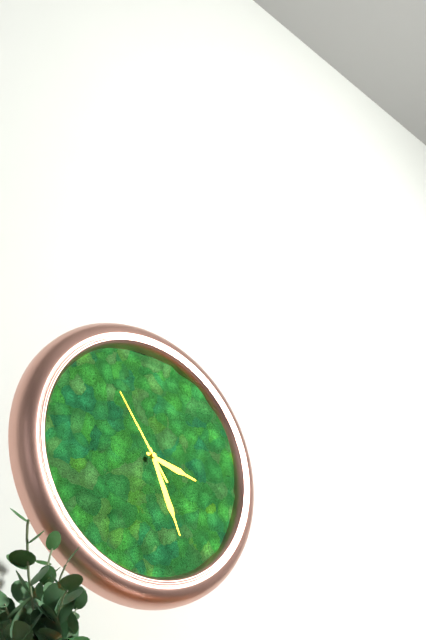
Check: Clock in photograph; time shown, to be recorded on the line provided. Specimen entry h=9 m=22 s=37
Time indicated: h=3 m=26 s=54
